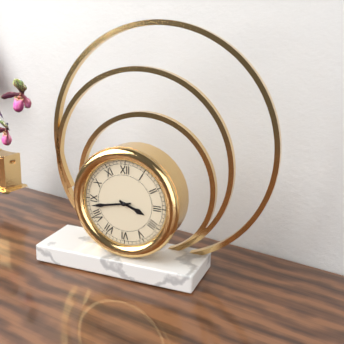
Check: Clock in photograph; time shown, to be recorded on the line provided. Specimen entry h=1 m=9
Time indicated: h=3 m=43
